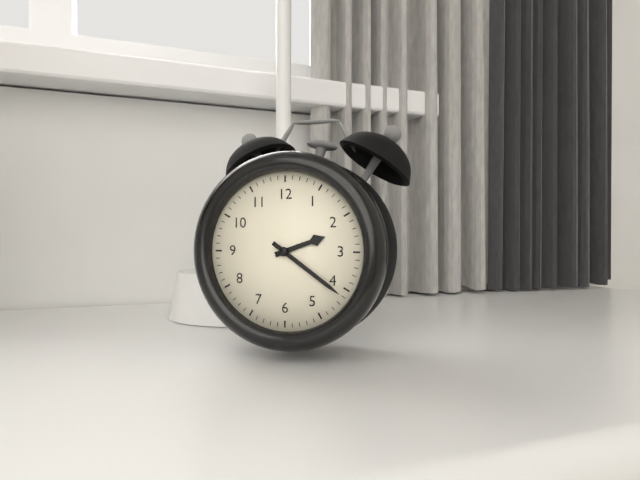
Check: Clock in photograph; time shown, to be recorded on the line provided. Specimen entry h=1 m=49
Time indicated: h=2 m=21
